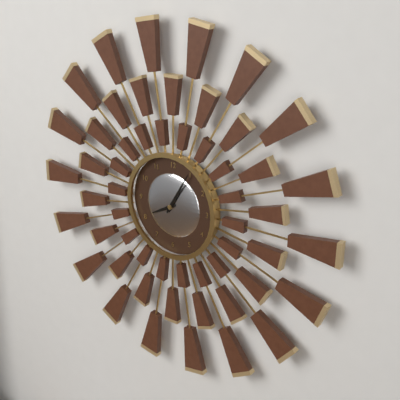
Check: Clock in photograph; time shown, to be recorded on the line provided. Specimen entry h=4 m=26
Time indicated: h=8 m=5
